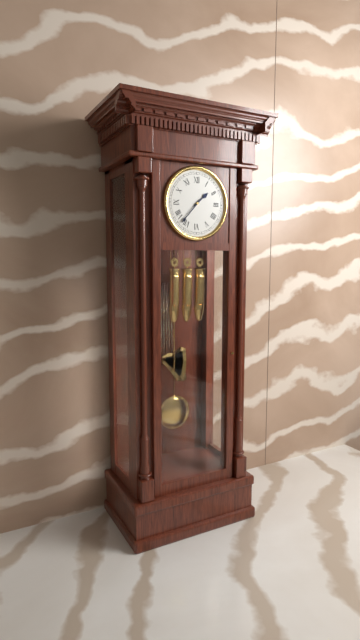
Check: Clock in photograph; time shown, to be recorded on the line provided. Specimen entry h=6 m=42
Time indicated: h=1 m=37
